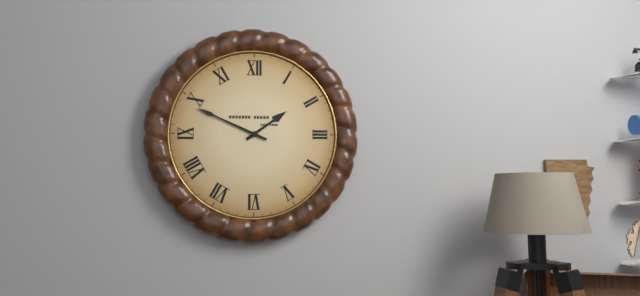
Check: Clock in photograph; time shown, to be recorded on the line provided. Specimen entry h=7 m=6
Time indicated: h=1 m=49
